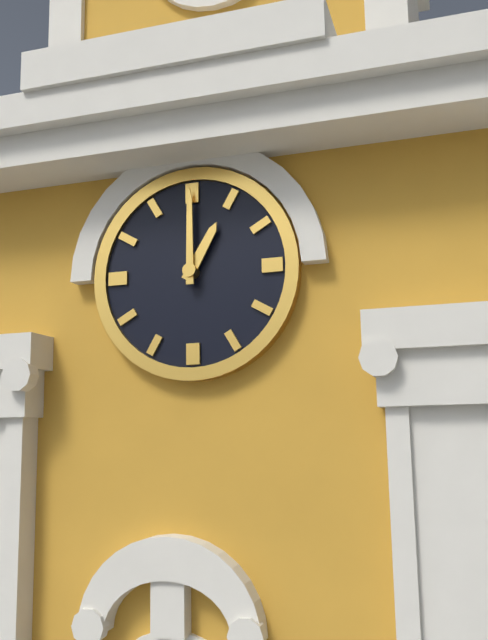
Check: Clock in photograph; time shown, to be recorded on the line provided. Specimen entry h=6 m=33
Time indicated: h=1 m=0
